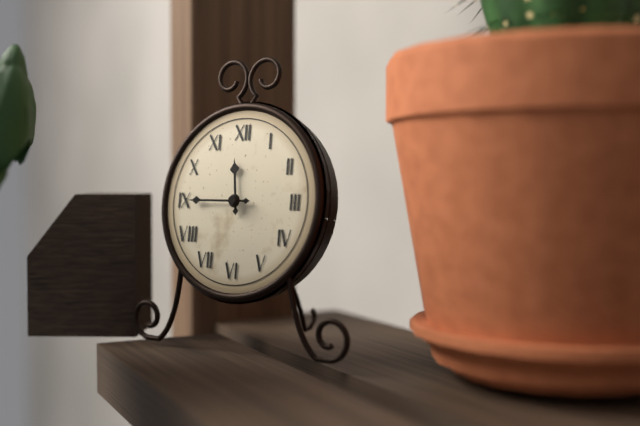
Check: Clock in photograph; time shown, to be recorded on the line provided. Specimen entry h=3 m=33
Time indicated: h=11 m=45
